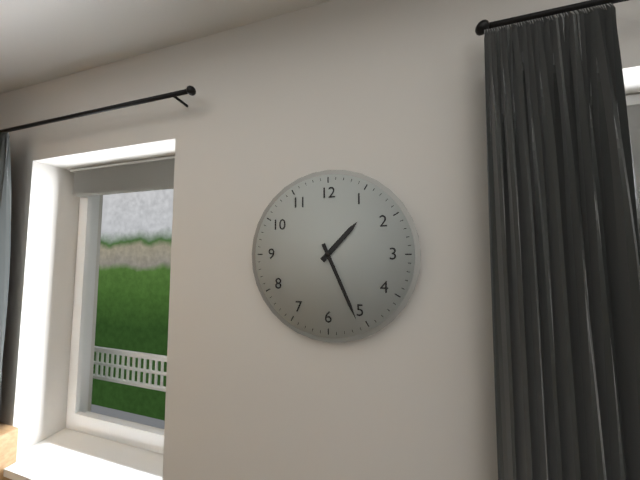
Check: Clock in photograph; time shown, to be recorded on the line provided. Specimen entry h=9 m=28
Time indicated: h=1 m=26
